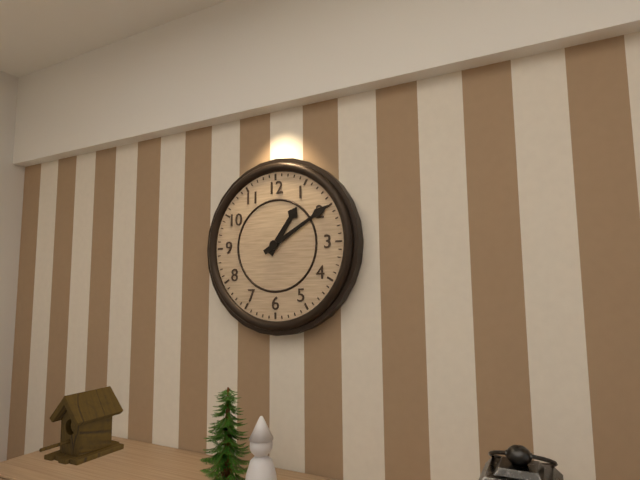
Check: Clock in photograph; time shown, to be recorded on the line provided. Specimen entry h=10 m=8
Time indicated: h=1 m=10
